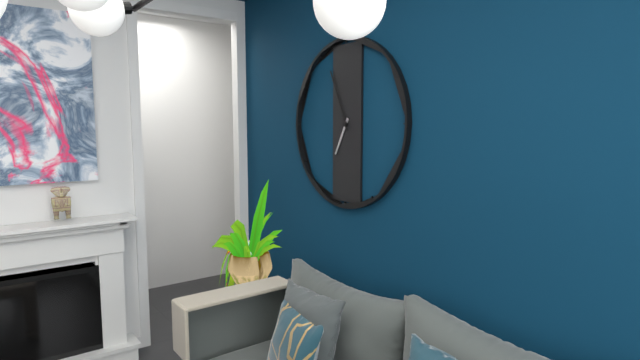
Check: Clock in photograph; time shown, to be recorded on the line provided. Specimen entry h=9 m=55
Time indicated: h=6 m=56
